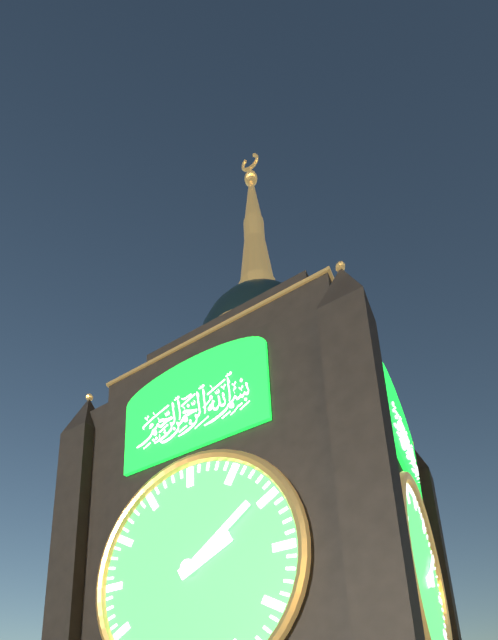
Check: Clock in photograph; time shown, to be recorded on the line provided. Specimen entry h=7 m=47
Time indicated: h=2 m=9
